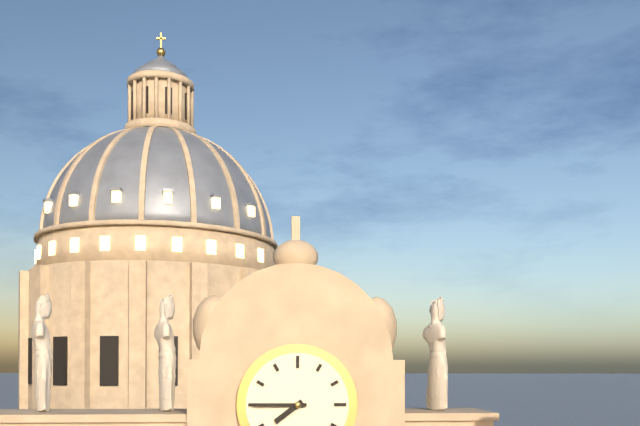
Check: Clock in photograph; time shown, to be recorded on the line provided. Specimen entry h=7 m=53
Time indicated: h=7 m=45
